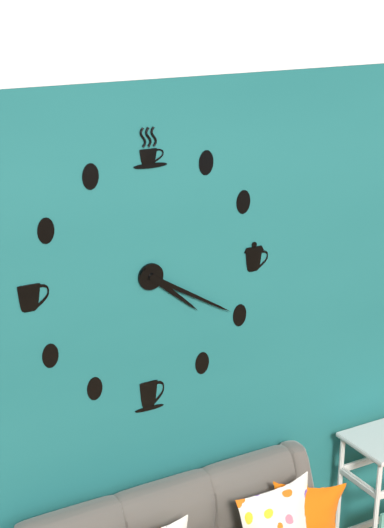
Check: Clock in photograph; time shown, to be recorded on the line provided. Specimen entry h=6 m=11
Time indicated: h=4 m=20
